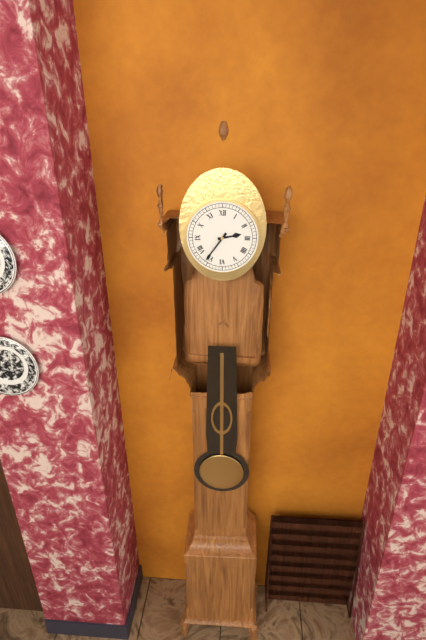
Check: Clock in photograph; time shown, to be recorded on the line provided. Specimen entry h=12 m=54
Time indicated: h=2 m=36
